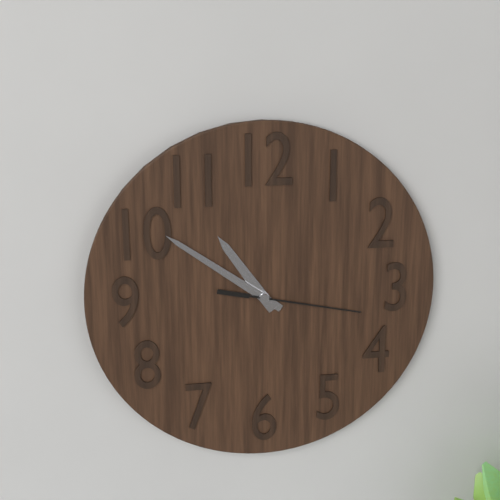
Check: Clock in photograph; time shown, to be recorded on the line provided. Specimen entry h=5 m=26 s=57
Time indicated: h=10 m=51 s=17
